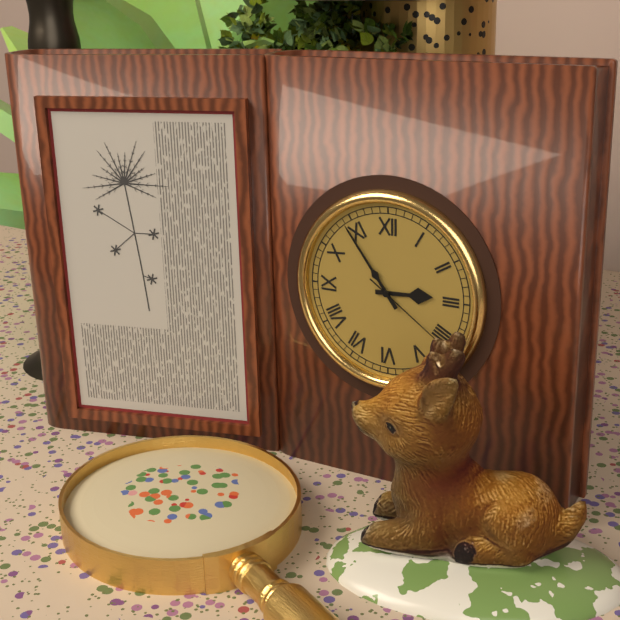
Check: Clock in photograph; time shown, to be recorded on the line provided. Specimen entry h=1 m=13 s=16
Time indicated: h=2 m=54 s=21
